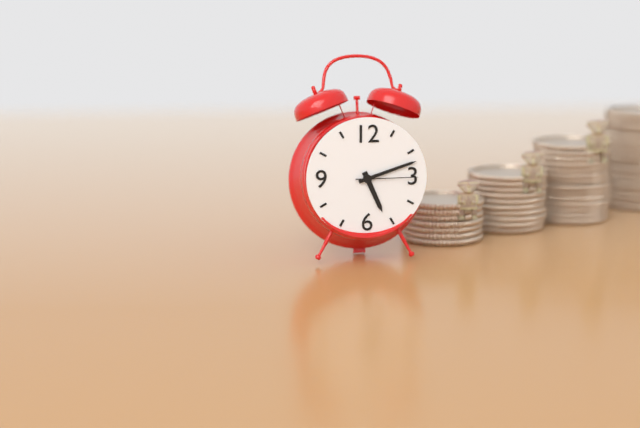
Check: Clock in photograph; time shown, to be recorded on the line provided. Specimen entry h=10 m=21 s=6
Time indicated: h=5 m=12 s=15
